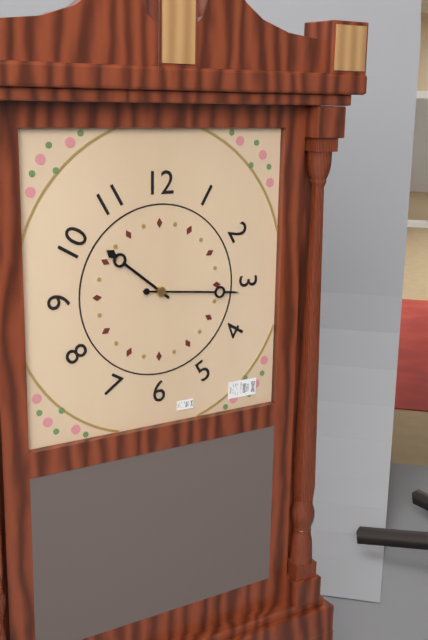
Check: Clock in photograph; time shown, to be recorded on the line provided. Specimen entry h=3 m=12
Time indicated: h=10 m=16
